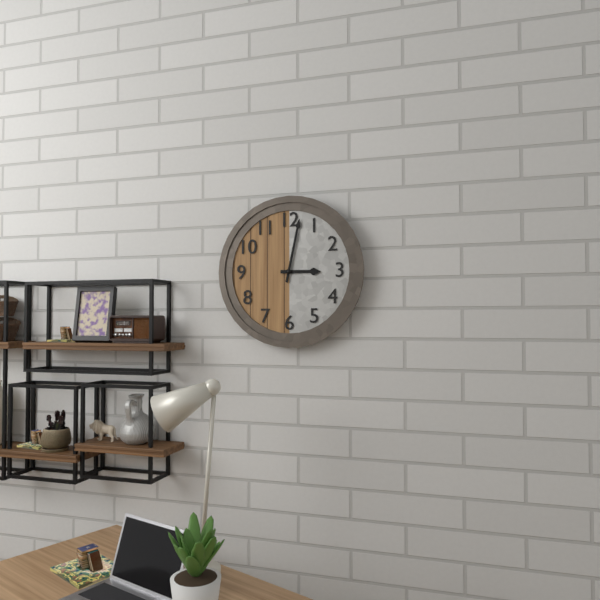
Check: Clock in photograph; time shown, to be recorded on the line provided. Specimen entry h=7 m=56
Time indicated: h=3 m=2
